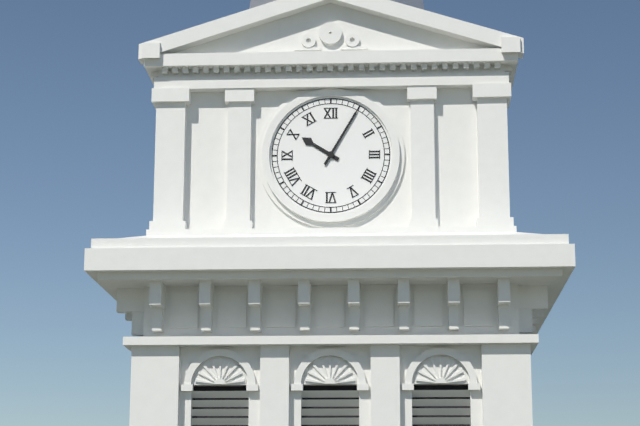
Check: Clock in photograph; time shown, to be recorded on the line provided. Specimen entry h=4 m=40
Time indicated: h=10 m=5
